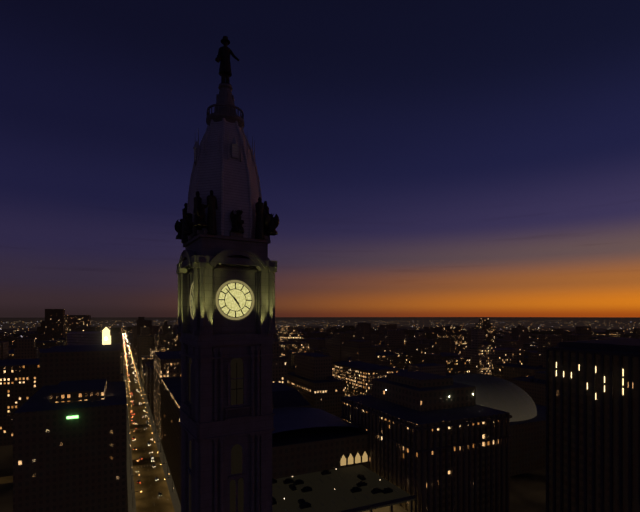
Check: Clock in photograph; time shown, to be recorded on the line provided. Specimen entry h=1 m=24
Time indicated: h=4 m=53
